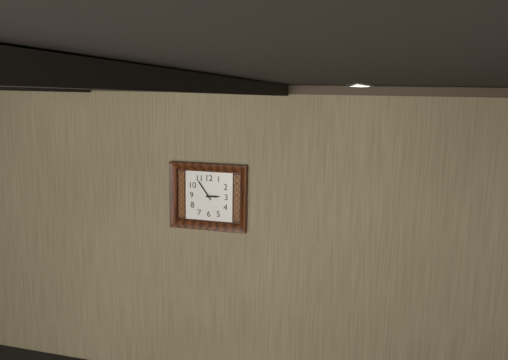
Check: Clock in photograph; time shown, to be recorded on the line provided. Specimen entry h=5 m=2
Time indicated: h=2 m=54
